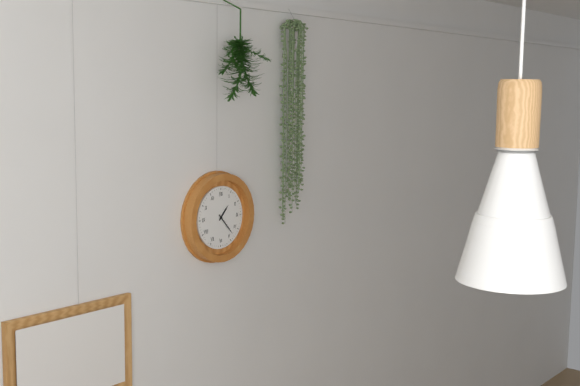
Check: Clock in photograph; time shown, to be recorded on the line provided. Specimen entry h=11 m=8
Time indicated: h=1 m=23
